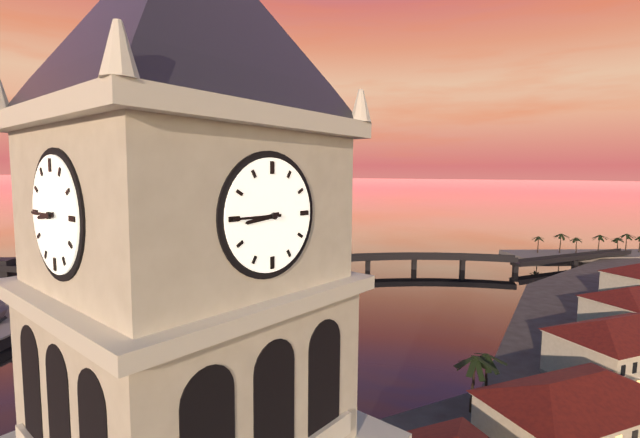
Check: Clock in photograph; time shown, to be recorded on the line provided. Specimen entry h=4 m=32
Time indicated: h=8 m=45
